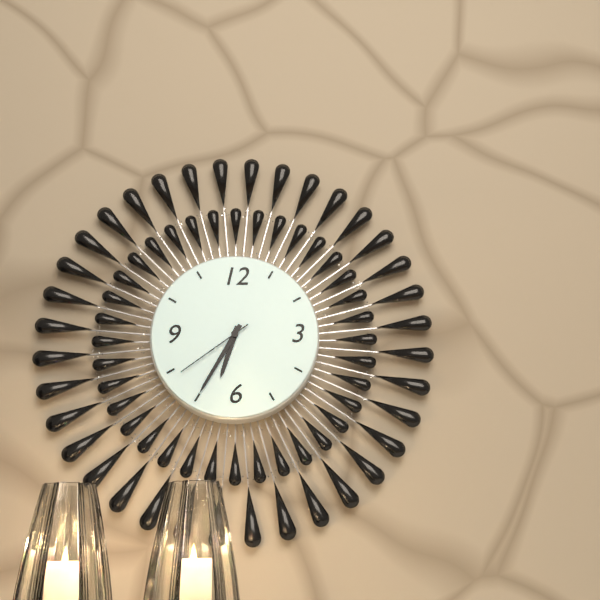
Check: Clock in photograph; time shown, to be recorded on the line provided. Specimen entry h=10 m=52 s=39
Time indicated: h=6 m=35 s=39
